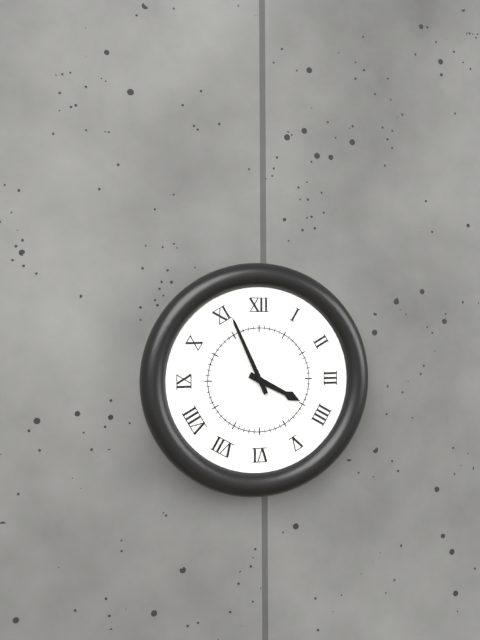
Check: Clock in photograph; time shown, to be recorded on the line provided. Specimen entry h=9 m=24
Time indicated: h=3 m=56
